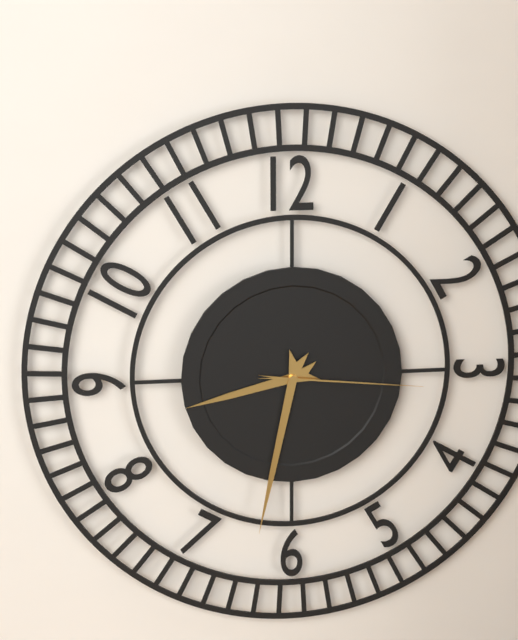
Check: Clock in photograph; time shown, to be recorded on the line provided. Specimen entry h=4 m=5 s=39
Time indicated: h=8 m=32 s=16
